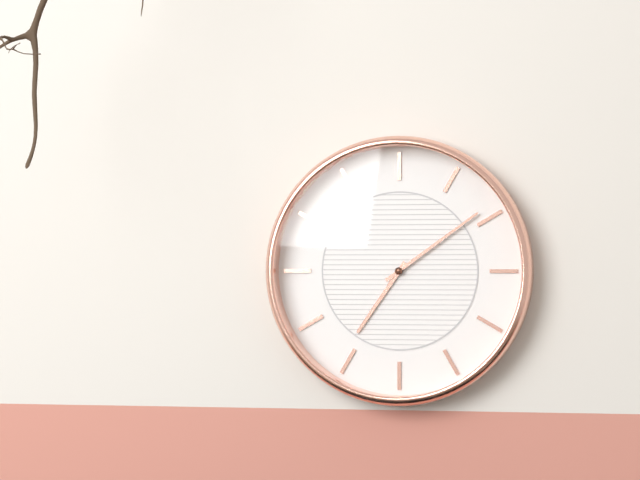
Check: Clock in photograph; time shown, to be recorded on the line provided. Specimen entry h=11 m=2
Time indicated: h=7 m=9
